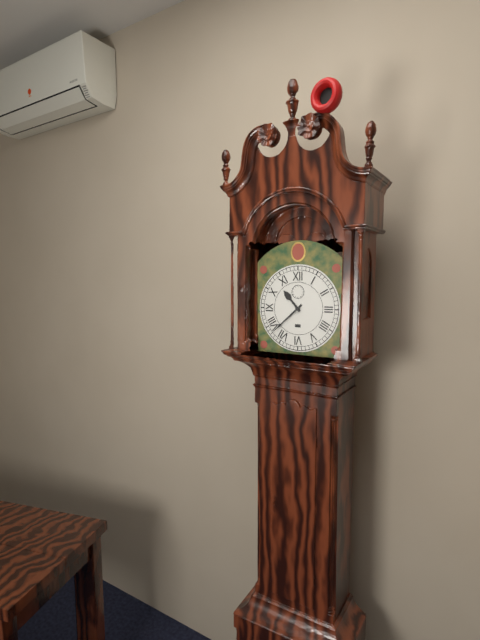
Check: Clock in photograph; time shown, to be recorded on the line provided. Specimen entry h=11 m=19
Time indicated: h=10 m=38
